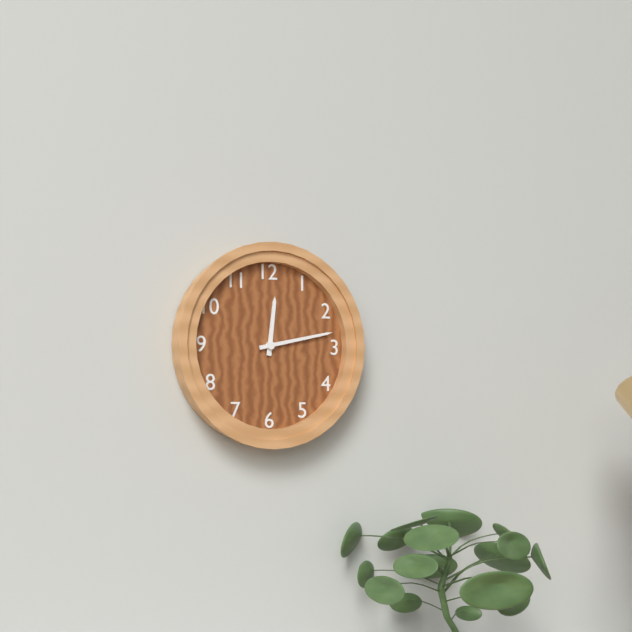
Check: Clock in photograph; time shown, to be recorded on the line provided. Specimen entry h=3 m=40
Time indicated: h=12 m=13
